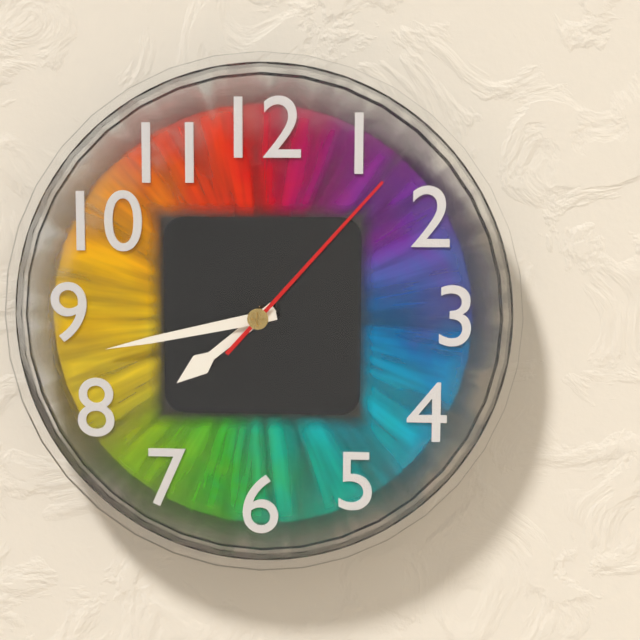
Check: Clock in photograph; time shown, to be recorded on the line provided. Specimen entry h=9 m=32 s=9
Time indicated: h=7 m=43 s=7
